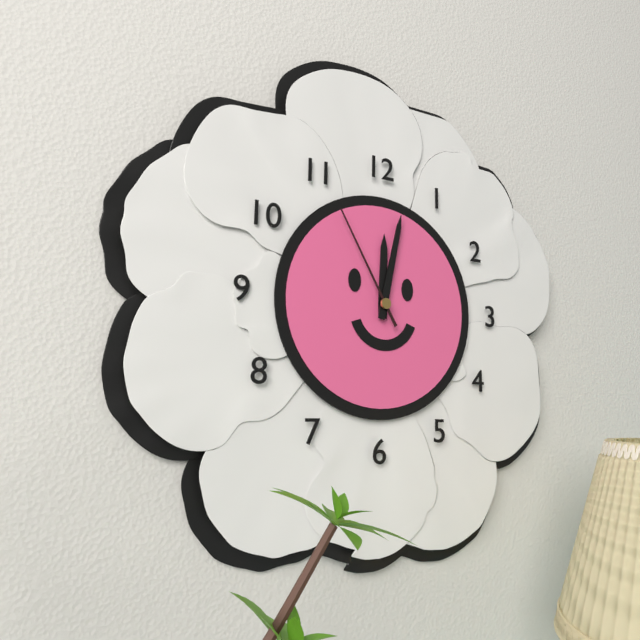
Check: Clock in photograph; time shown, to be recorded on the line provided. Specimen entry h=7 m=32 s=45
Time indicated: h=12 m=2 s=55
